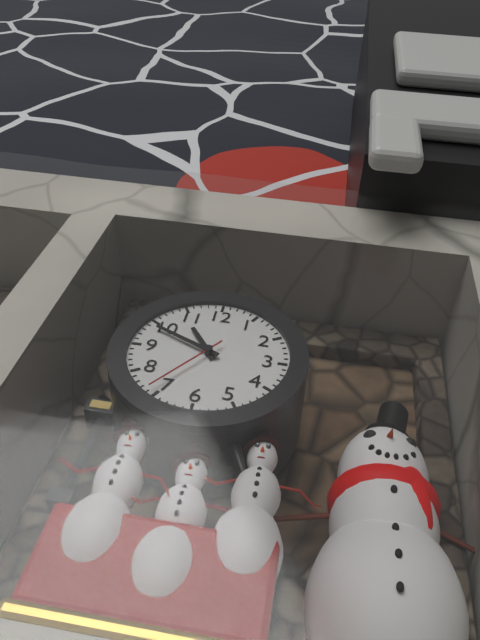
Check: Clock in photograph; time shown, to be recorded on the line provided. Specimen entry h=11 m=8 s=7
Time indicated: h=10 m=49 s=36
